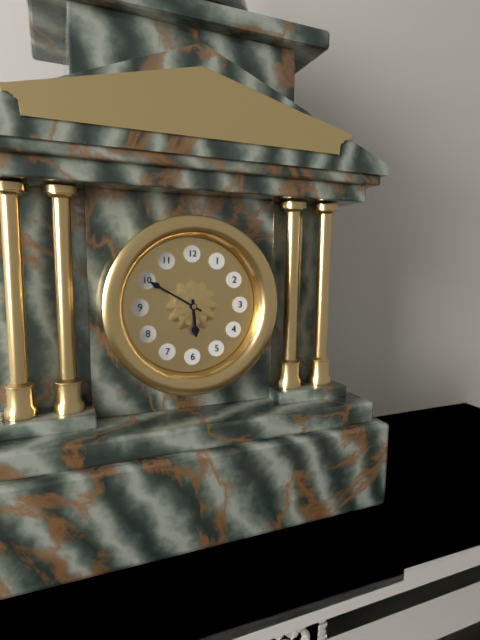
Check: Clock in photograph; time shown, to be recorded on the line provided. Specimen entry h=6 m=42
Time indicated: h=5 m=50
